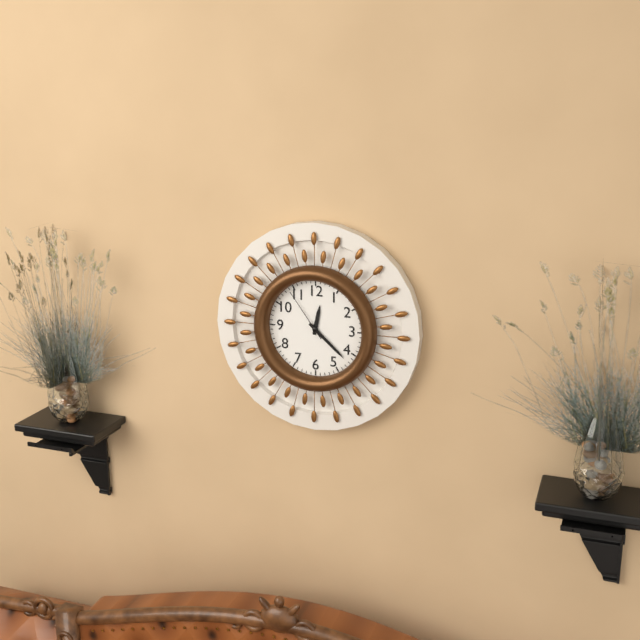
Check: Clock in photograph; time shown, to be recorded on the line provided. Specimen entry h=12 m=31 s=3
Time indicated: h=12 m=22 s=54
